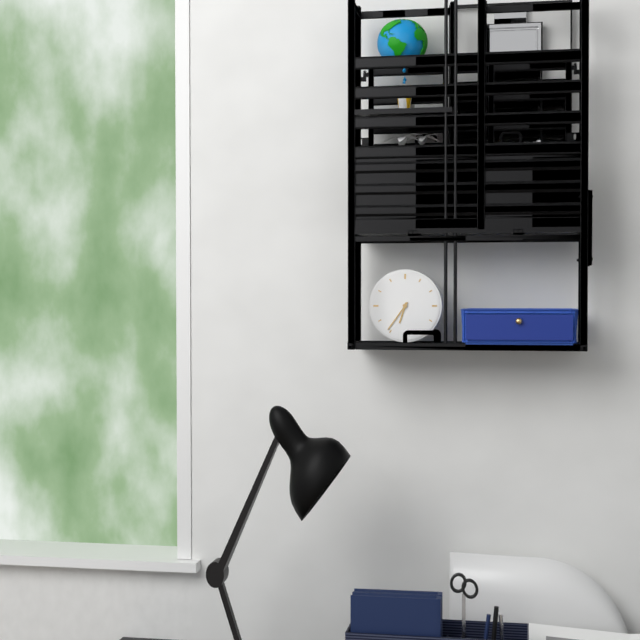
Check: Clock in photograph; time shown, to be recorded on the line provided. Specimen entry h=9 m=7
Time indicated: h=6 m=36
